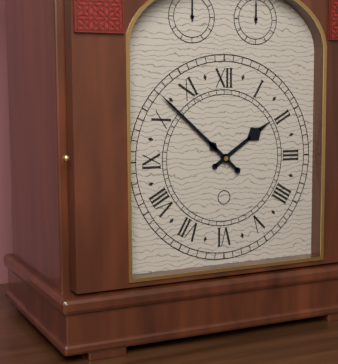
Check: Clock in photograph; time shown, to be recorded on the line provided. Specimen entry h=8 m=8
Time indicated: h=1 m=52
